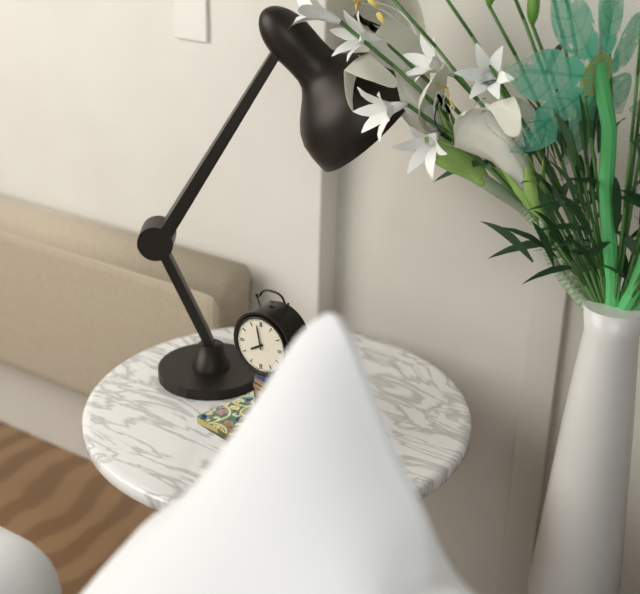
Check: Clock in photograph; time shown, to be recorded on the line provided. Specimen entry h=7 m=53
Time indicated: h=7 m=58
